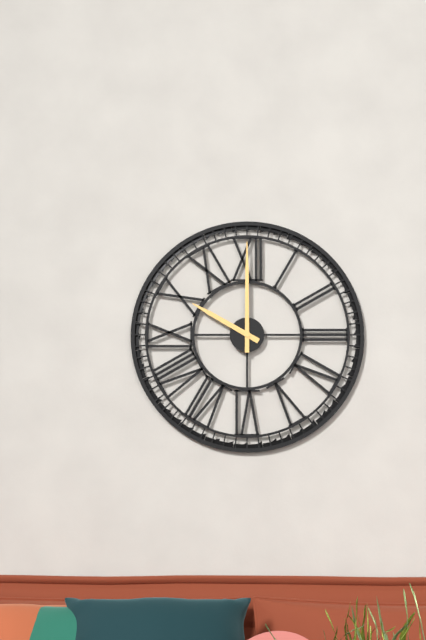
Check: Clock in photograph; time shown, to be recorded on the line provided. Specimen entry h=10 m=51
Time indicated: h=10 m=0
